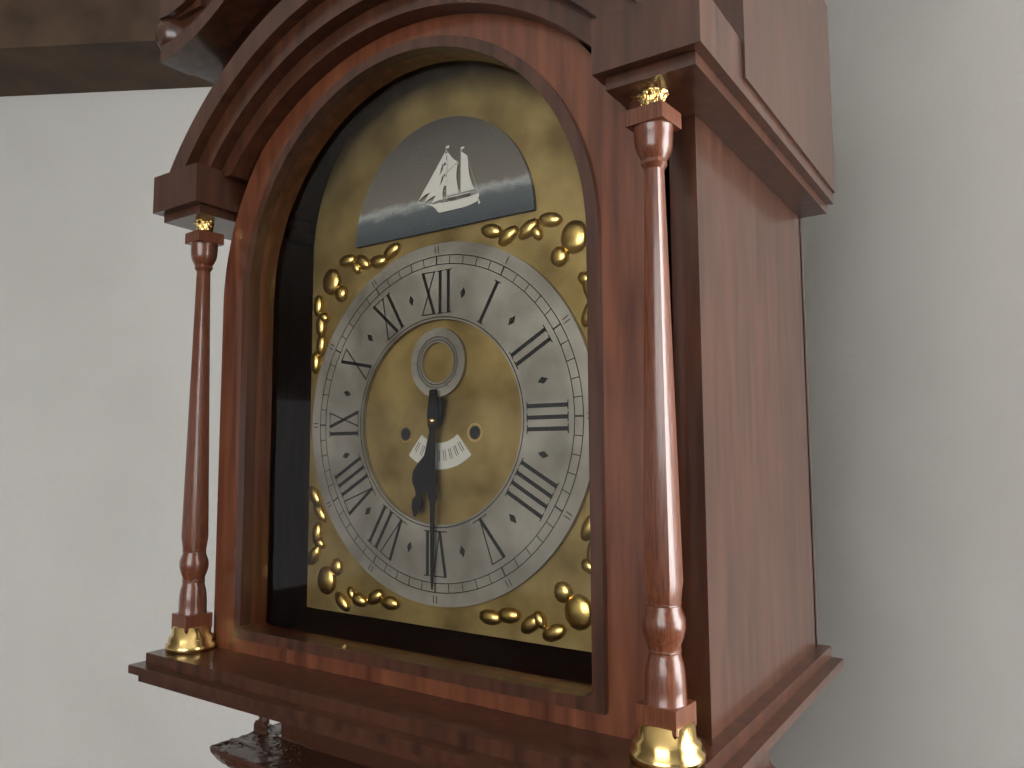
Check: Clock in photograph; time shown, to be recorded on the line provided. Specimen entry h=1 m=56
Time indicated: h=6 m=30
